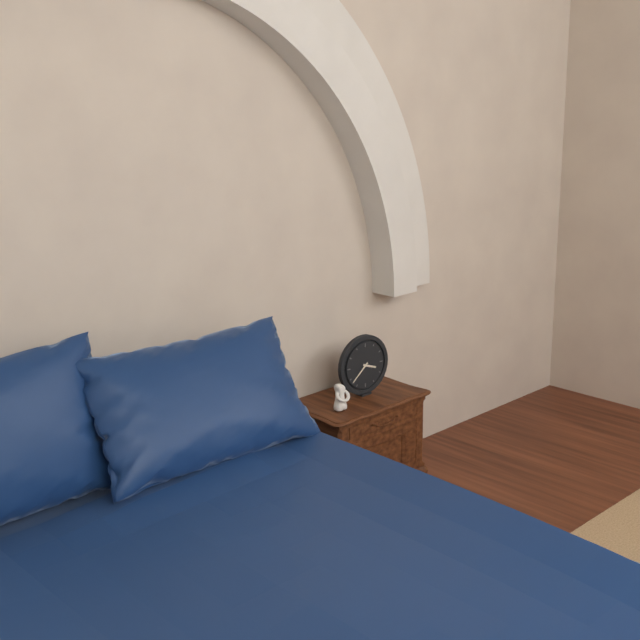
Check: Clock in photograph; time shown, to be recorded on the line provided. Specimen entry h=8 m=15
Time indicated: h=3 m=38
